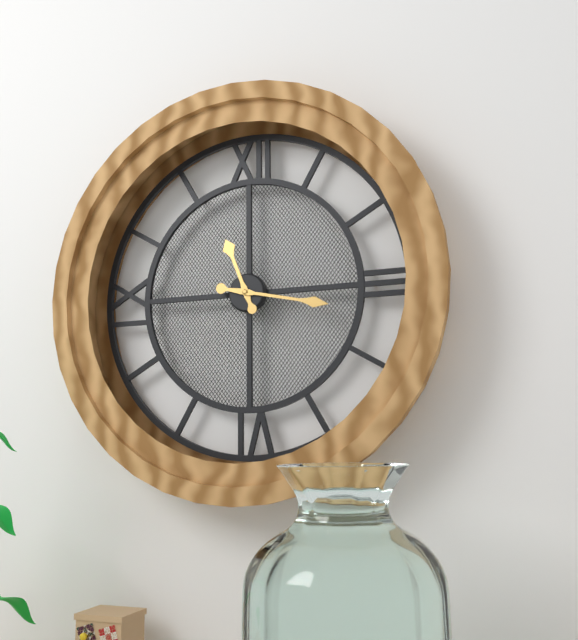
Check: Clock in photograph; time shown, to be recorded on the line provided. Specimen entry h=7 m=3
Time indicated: h=11 m=17
